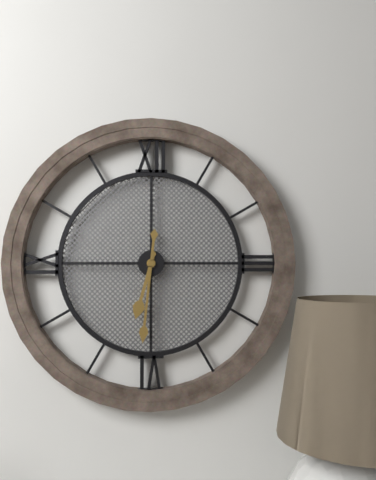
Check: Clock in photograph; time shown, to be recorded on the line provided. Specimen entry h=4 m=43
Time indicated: h=6 m=31
